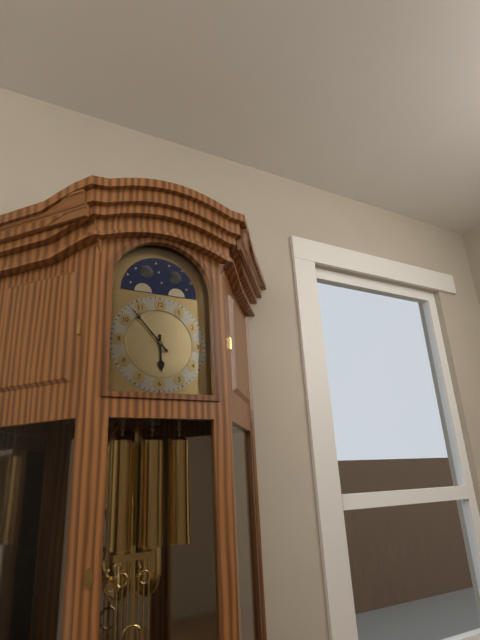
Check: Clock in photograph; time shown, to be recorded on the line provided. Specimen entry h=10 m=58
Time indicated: h=5 m=53
